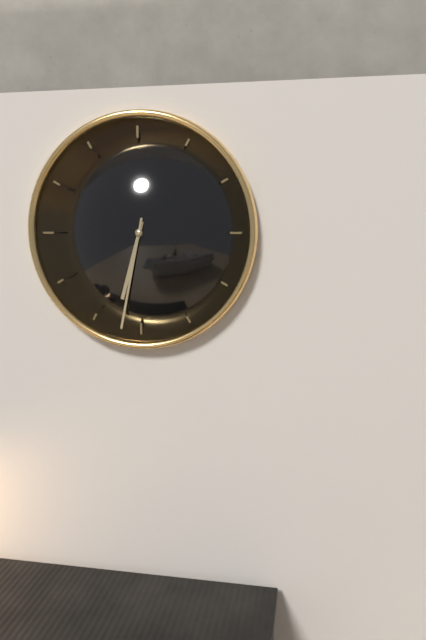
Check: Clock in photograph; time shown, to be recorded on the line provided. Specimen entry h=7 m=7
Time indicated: h=6 m=32
